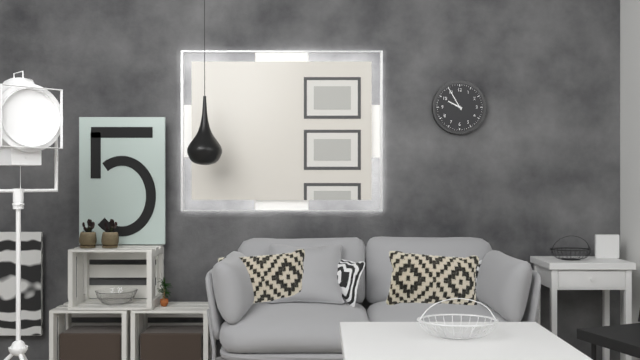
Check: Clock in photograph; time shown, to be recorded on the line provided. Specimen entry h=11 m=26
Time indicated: h=9 m=55
